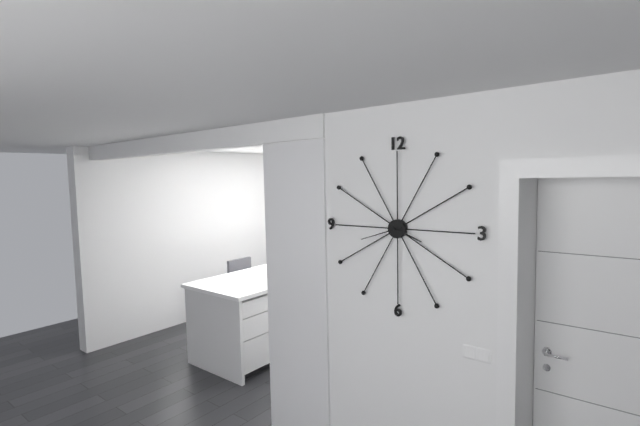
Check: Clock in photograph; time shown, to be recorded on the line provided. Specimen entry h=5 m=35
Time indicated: h=3 m=42
